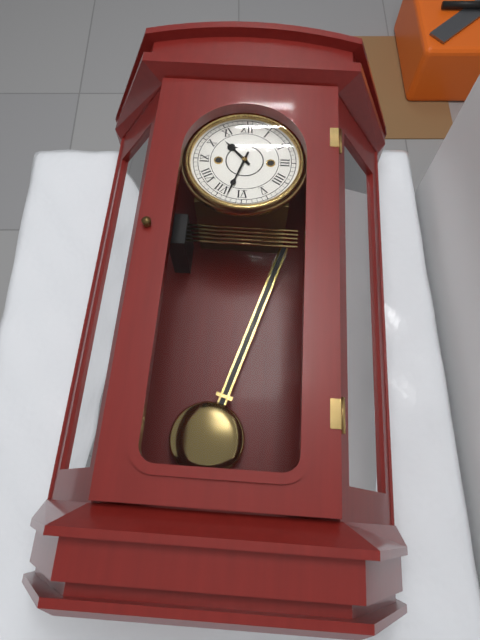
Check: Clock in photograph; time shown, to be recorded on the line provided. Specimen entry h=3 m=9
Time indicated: h=10 m=33
